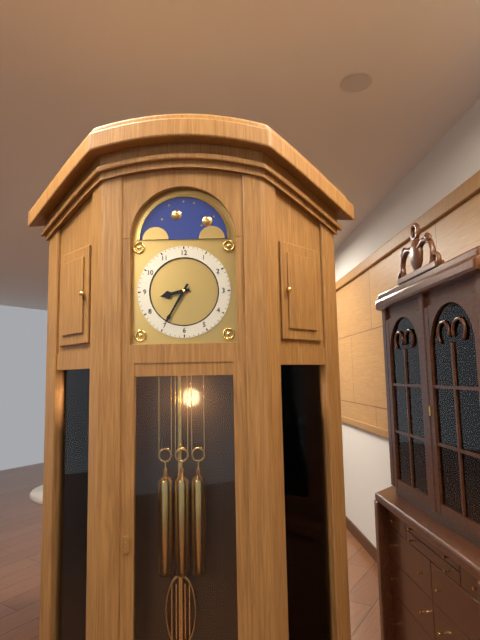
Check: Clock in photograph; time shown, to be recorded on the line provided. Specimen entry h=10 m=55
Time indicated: h=8 m=35
